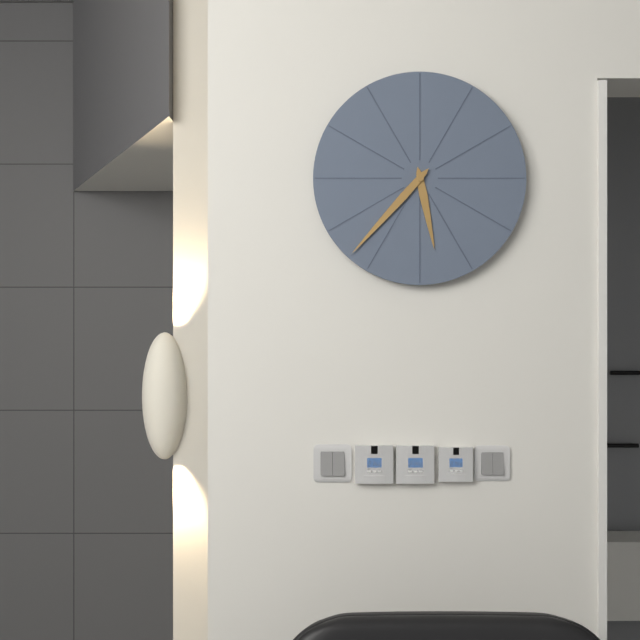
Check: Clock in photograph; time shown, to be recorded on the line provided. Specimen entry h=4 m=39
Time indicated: h=5 m=37
